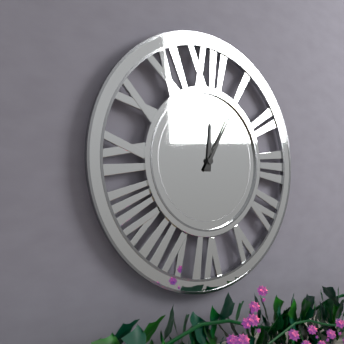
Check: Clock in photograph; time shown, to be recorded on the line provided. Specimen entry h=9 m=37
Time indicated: h=12 m=5
